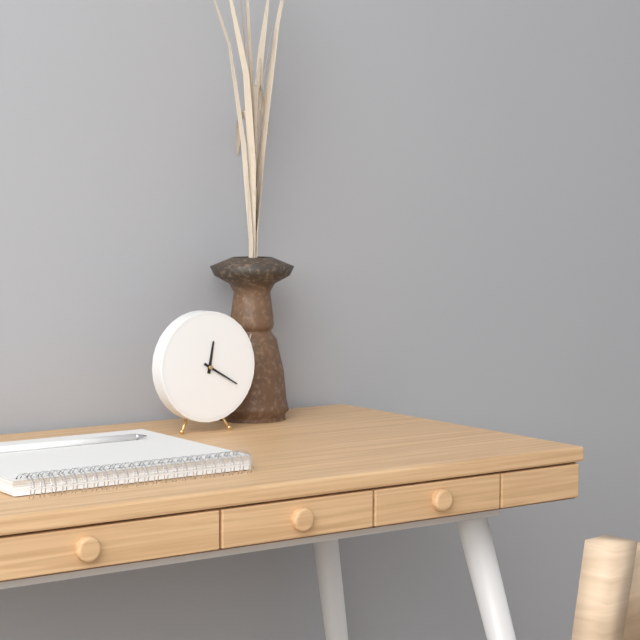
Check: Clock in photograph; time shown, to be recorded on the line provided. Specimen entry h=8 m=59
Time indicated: h=12 m=20
